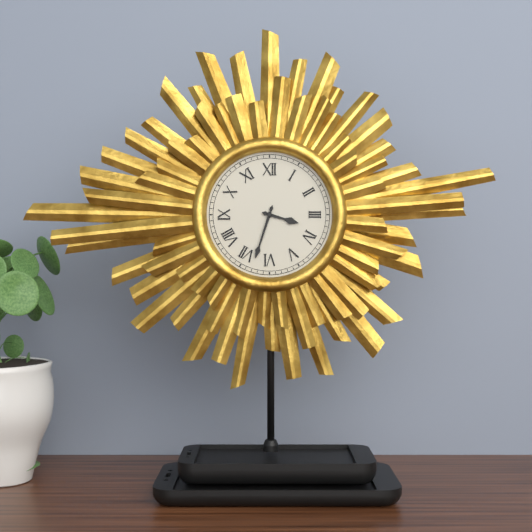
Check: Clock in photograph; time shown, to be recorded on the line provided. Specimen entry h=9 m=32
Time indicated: h=3 m=33
